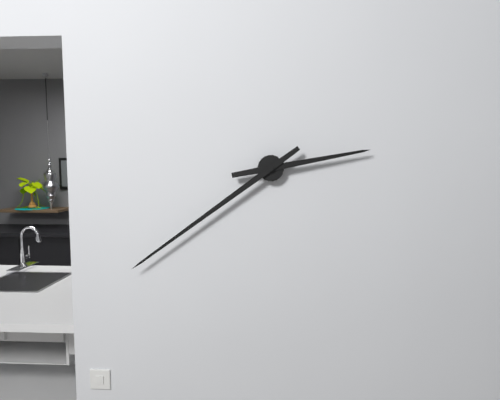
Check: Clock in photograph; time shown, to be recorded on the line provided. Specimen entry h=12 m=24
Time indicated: h=2 m=39
